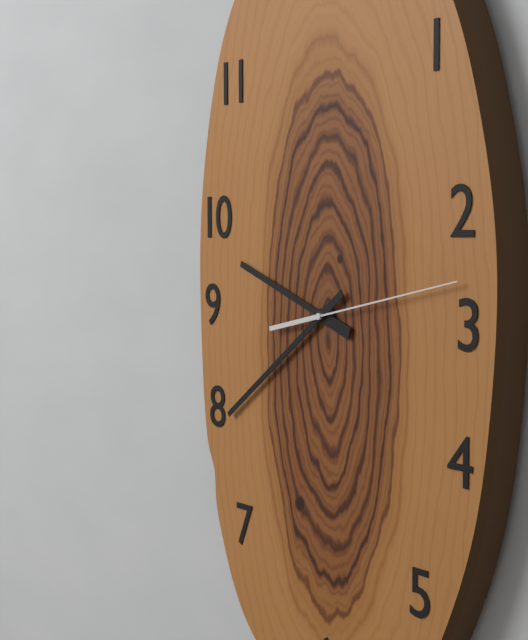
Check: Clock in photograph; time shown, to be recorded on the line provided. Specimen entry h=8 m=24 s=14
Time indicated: h=9 m=39 s=13
